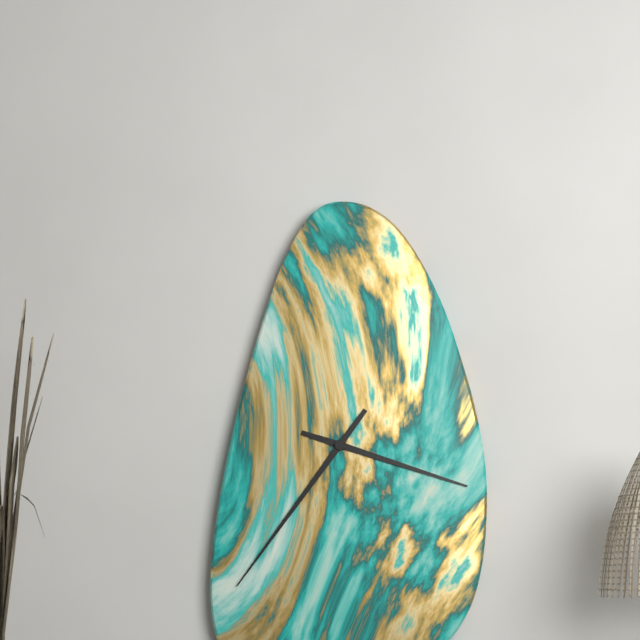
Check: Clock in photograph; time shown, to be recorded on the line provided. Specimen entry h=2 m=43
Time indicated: h=3 m=36
